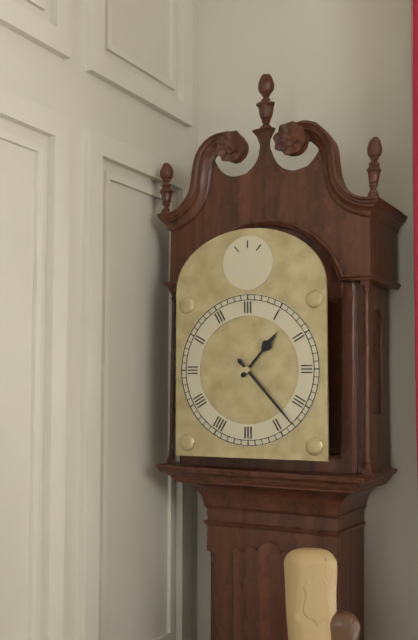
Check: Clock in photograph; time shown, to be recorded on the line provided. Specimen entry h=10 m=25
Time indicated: h=1 m=23
